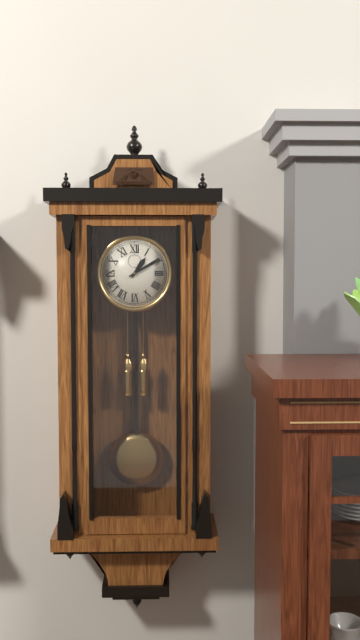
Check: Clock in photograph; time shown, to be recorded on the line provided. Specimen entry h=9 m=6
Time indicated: h=1 m=10
